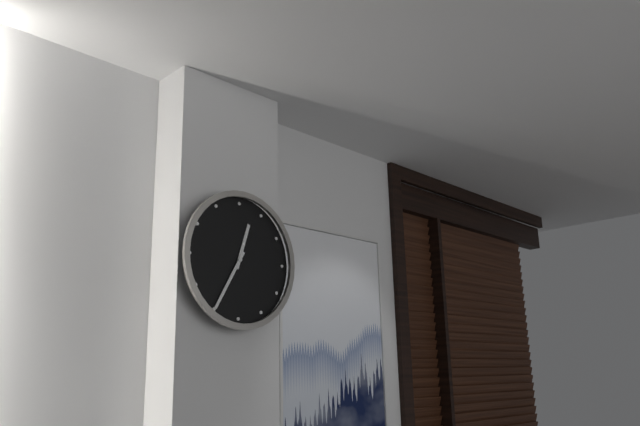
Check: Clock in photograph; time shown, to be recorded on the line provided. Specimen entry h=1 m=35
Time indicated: h=12 m=35
